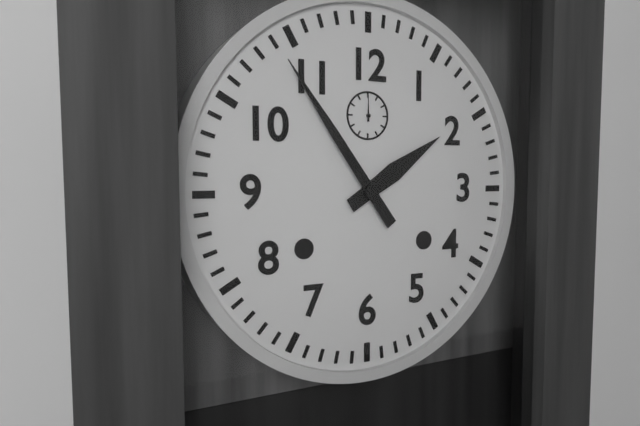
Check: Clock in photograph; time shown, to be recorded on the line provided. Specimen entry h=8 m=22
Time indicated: h=1 m=54
